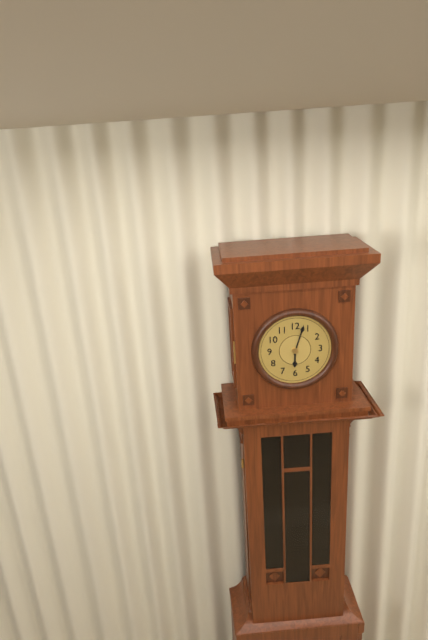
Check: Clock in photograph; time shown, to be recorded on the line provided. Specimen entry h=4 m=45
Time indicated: h=6 m=3
